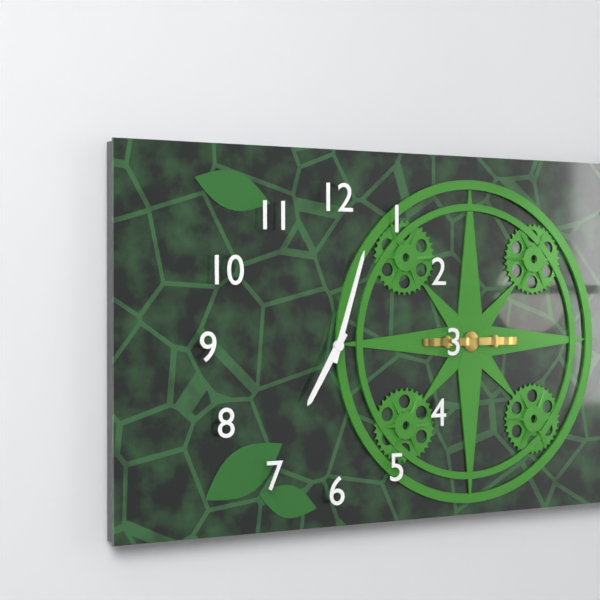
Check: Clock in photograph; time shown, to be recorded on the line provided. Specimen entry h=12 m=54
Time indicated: h=7 m=3
